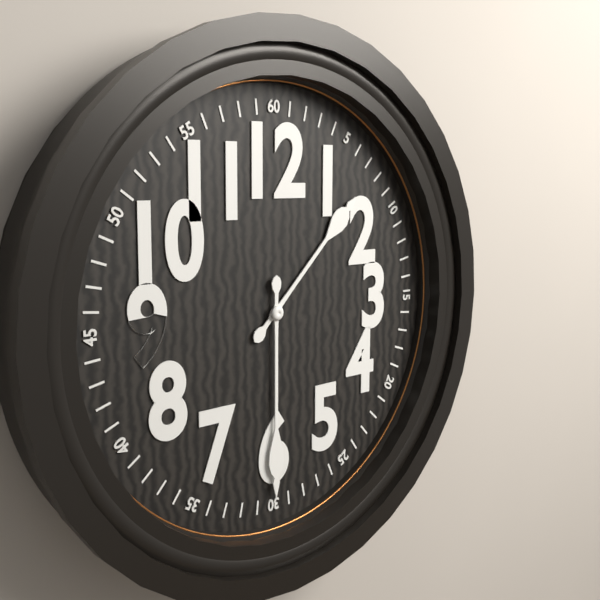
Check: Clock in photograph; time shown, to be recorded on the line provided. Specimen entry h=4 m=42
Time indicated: h=1 m=30
